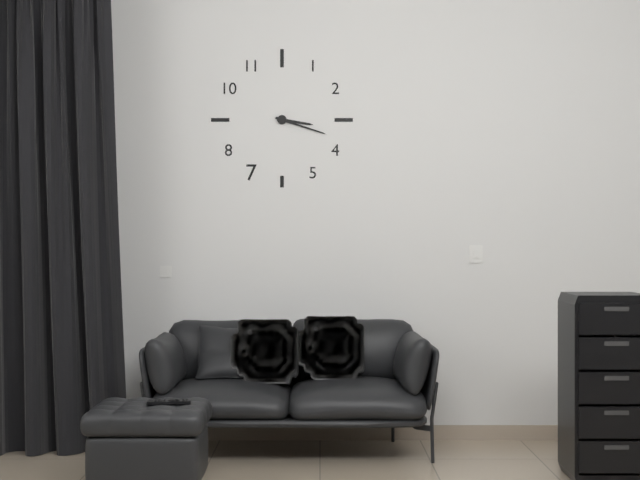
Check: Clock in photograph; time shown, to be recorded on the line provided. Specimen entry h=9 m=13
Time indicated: h=3 m=18
